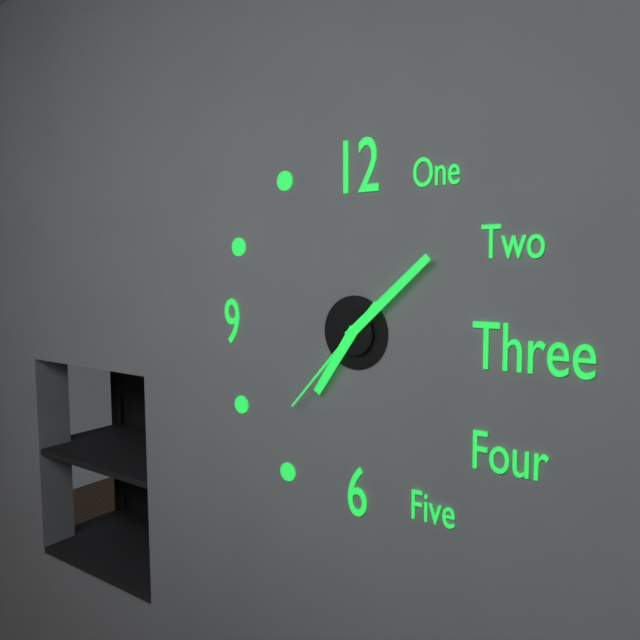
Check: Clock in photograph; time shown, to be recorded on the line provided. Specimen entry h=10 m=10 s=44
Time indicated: h=7 m=8 s=37
